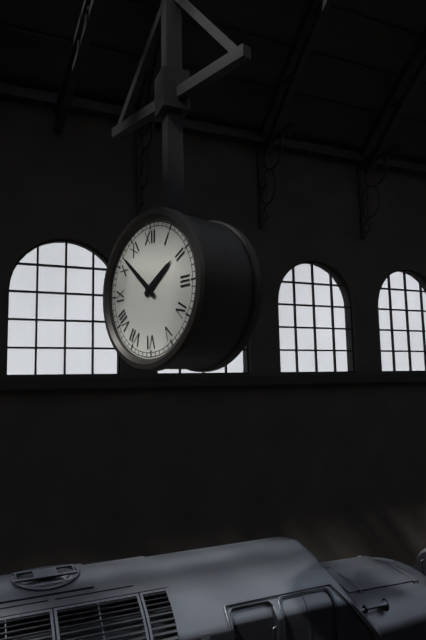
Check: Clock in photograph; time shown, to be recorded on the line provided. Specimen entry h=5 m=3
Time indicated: h=1 m=52
